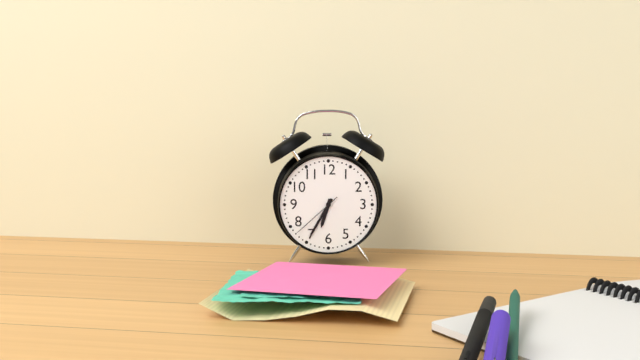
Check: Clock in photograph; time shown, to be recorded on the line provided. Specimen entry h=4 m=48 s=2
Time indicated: h=6 m=35 s=38
